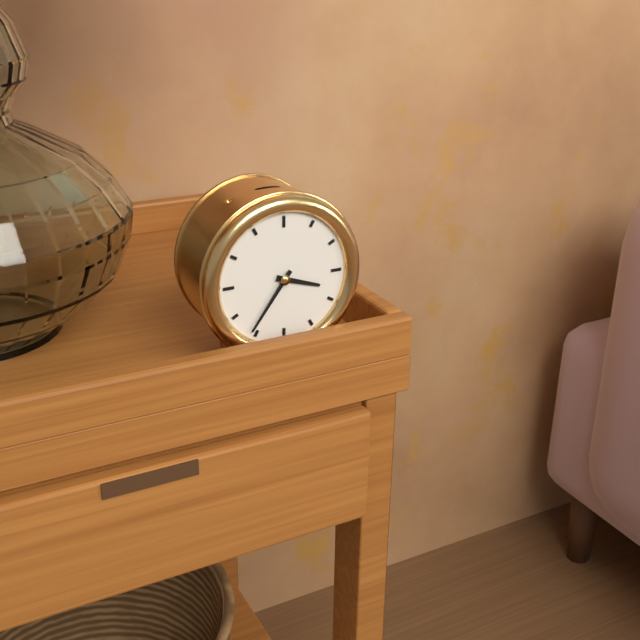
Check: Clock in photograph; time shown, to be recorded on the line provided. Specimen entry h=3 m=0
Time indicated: h=3 m=36
